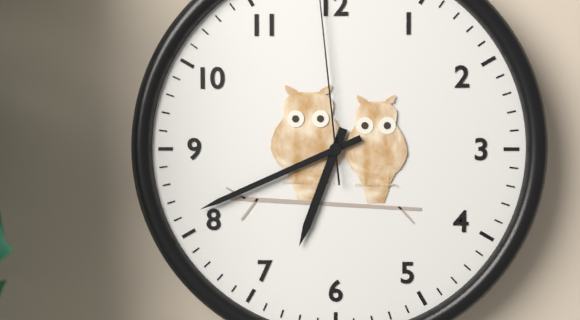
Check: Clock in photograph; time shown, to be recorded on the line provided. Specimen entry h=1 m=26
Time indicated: h=6 m=41
